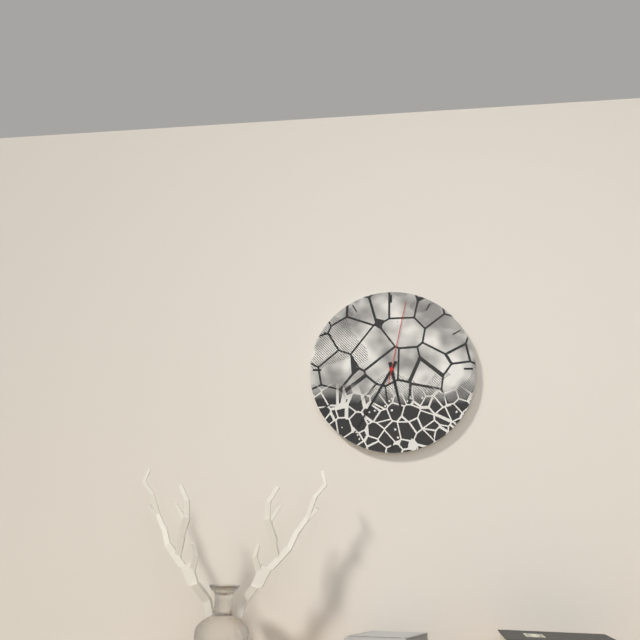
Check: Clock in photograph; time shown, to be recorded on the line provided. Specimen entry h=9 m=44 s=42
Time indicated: h=5 m=35 s=2
